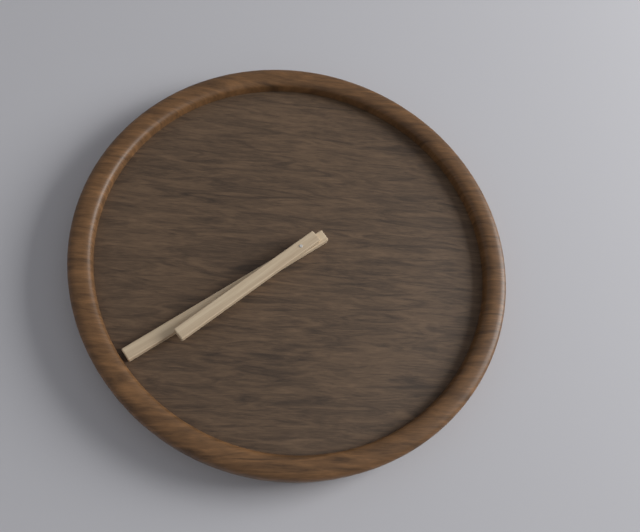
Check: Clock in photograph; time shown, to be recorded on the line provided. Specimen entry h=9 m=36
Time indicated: h=7 m=39
